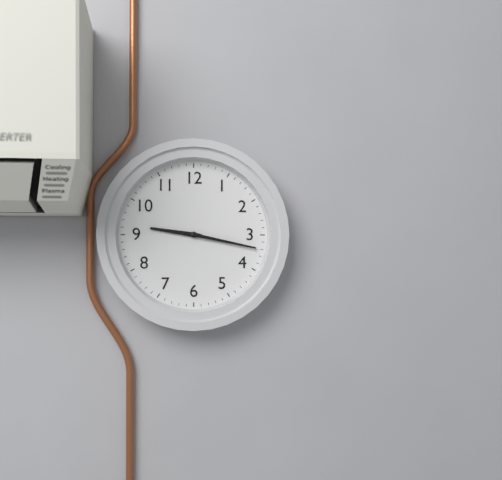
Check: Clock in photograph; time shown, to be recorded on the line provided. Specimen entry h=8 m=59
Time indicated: h=9 m=17
